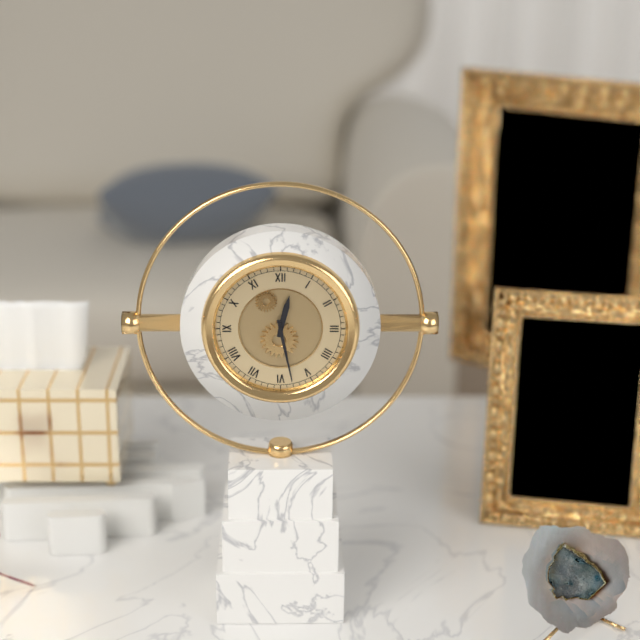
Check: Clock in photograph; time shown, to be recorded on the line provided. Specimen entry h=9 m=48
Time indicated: h=12 m=28
